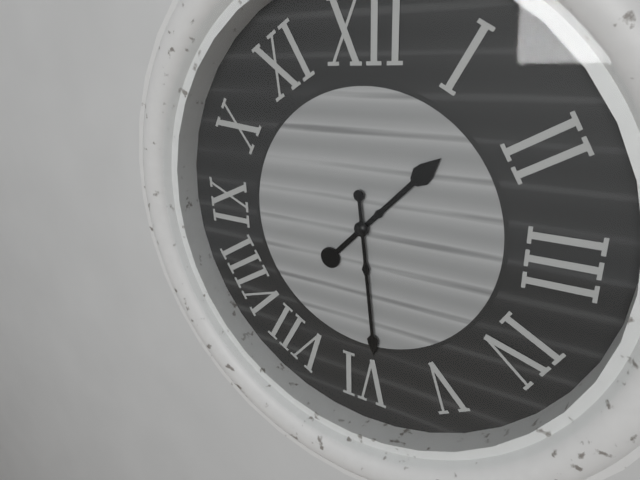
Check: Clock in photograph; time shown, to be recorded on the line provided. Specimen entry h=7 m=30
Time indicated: h=1 m=29
